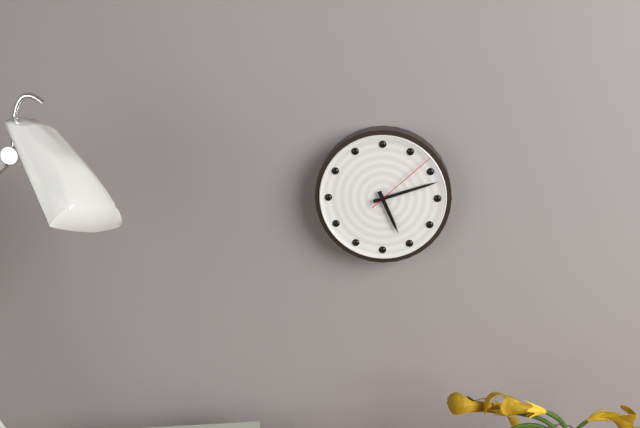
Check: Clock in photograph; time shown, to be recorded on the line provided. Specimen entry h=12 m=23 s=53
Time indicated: h=5 m=12 s=8
